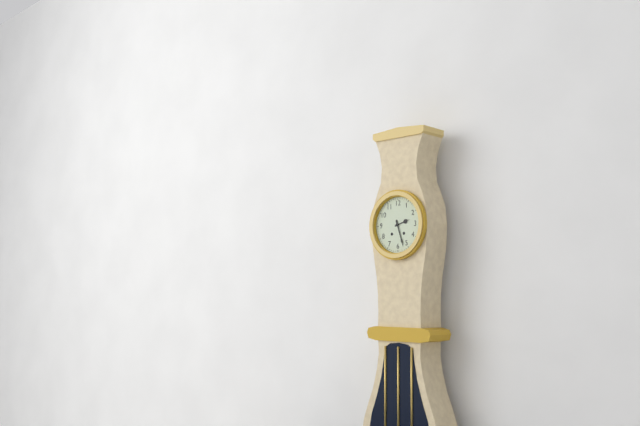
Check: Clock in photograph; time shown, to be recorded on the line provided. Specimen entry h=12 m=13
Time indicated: h=2 m=27
